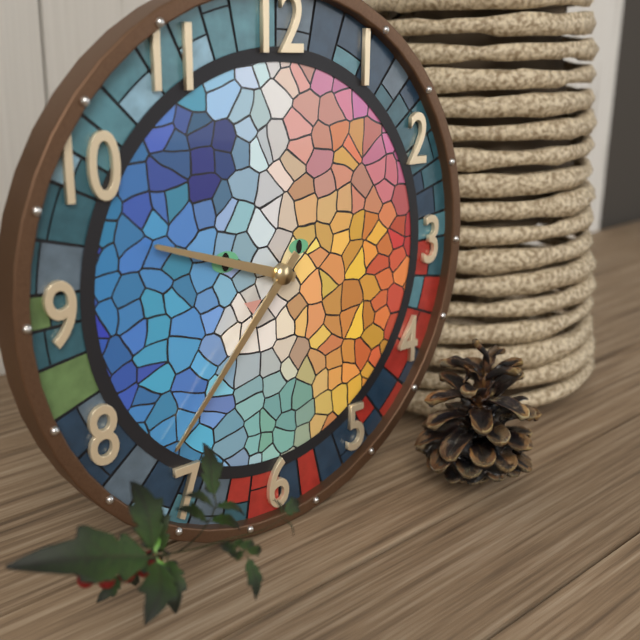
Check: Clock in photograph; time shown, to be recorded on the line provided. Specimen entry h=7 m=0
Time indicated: h=9 m=37
